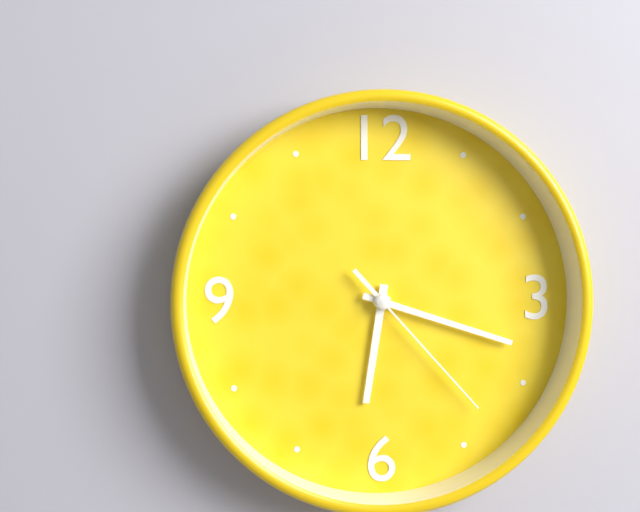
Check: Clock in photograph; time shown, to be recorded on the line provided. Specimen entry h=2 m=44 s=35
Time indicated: h=6 m=18 s=23
